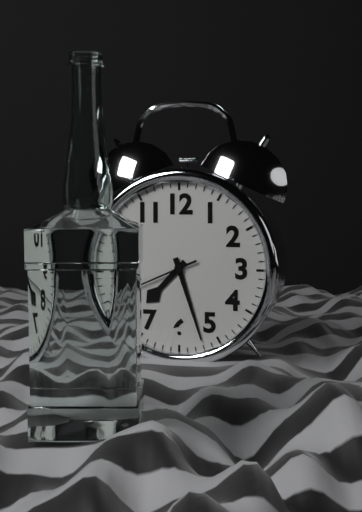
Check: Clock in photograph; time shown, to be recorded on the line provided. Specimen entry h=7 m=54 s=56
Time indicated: h=7 m=27 s=41
